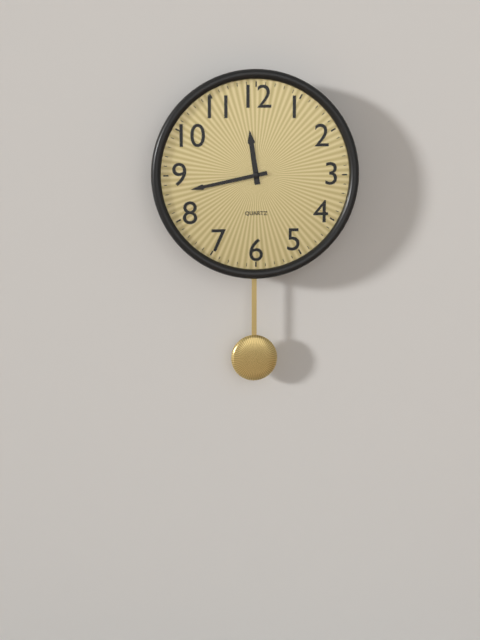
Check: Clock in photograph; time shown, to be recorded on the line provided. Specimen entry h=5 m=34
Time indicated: h=11 m=43
